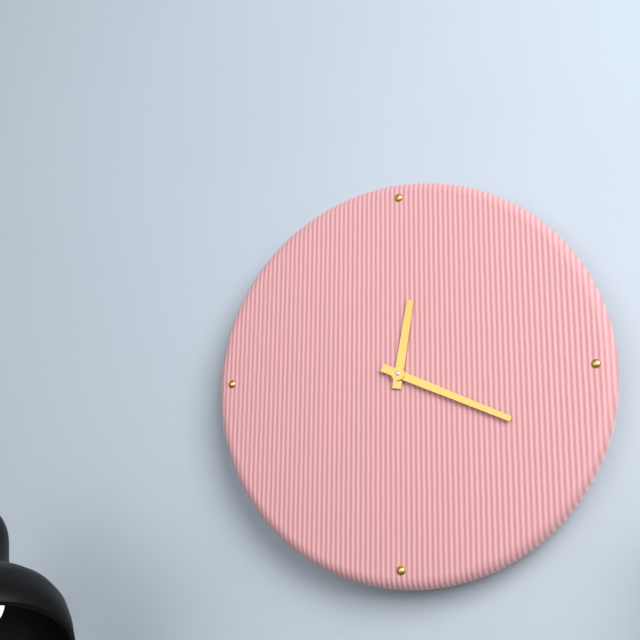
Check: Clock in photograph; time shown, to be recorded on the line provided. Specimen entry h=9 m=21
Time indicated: h=12 m=19
